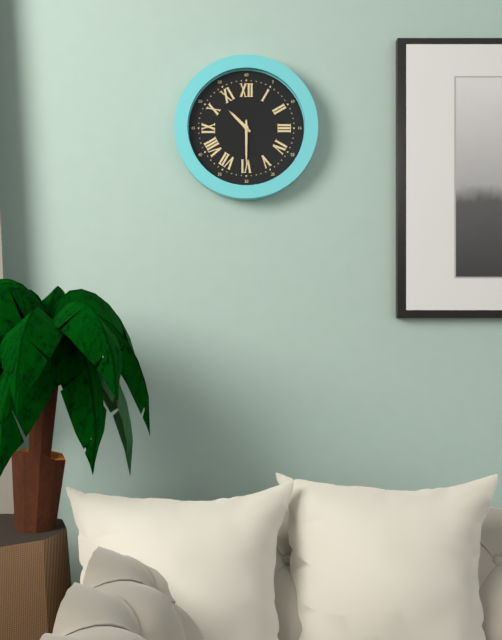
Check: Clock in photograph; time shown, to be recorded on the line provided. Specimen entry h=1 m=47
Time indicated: h=10 m=30
